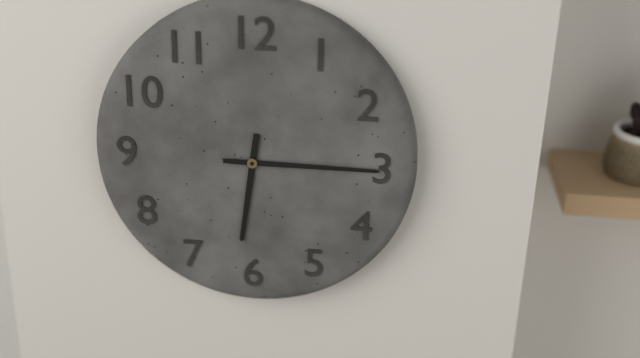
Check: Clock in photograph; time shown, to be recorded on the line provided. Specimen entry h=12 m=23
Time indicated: h=6 m=15
